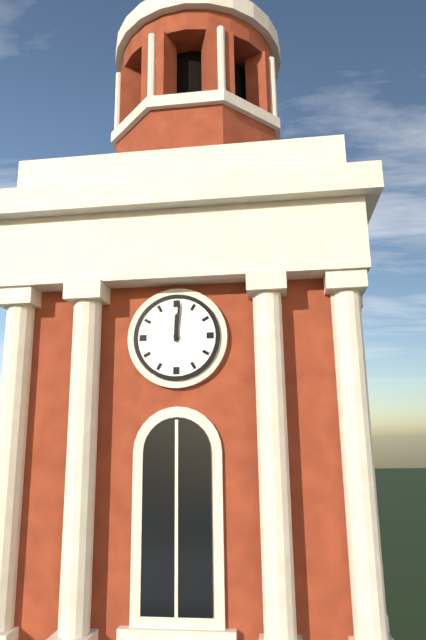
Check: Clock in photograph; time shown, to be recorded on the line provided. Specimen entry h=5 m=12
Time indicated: h=12 m=1
